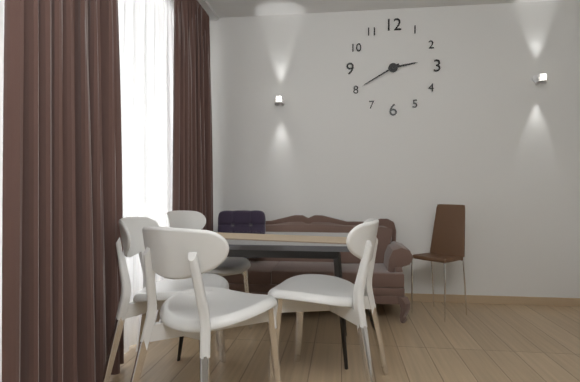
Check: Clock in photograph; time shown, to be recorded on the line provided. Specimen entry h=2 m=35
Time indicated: h=2 m=40
